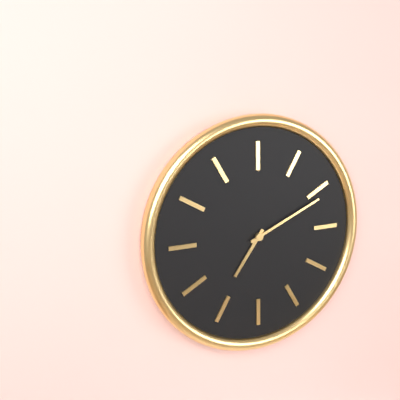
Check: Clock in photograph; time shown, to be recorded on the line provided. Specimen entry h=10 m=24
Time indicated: h=7 m=11
